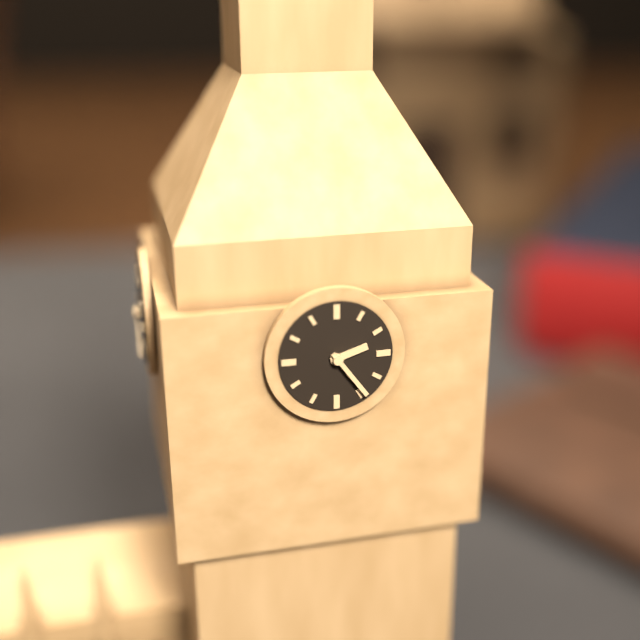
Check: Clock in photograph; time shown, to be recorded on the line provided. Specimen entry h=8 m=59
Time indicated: h=2 m=24
